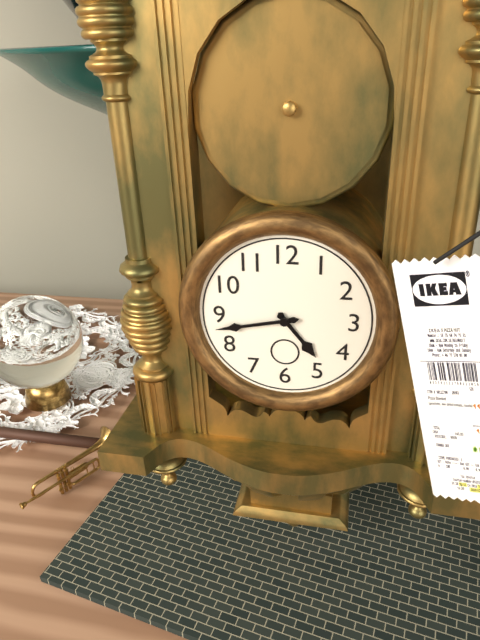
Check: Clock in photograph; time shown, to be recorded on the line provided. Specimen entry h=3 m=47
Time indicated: h=4 m=43
